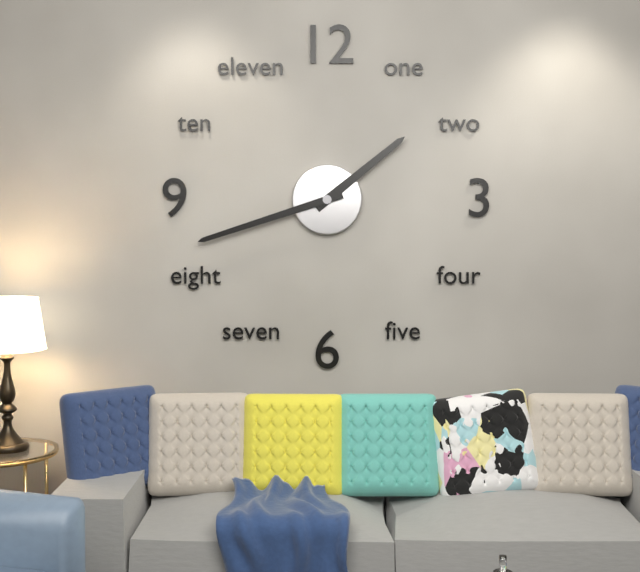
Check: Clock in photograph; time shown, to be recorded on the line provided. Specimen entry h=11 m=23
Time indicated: h=1 m=42
